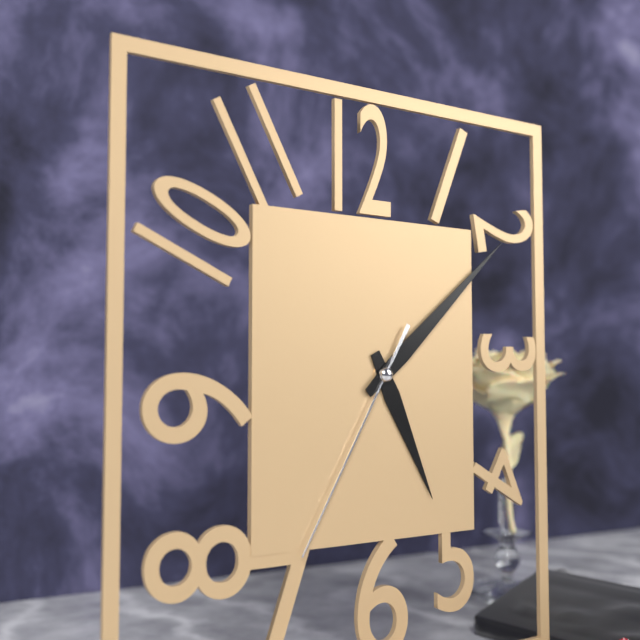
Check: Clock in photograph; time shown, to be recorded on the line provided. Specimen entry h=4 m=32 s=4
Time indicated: h=5 m=8 s=35
